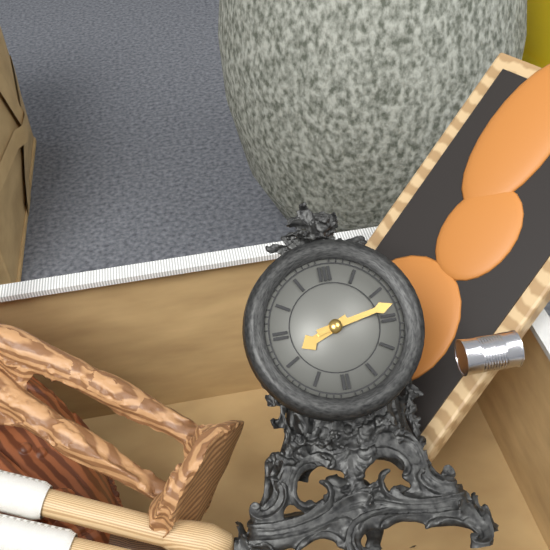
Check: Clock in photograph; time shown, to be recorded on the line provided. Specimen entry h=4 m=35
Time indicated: h=8 m=13
